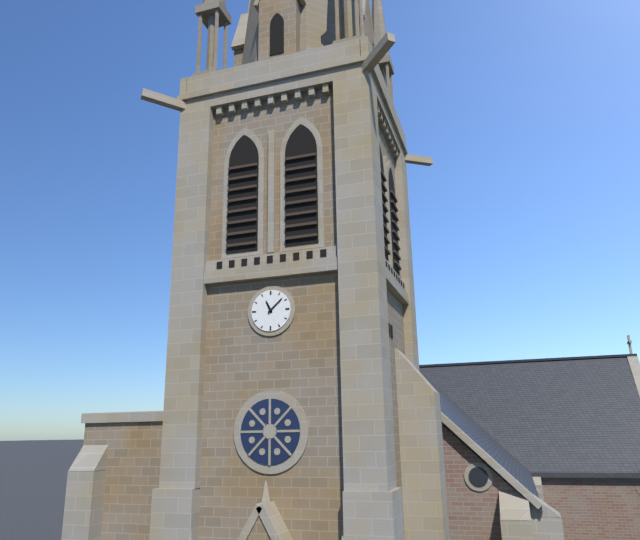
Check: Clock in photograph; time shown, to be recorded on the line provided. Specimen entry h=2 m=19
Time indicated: h=11 m=8
